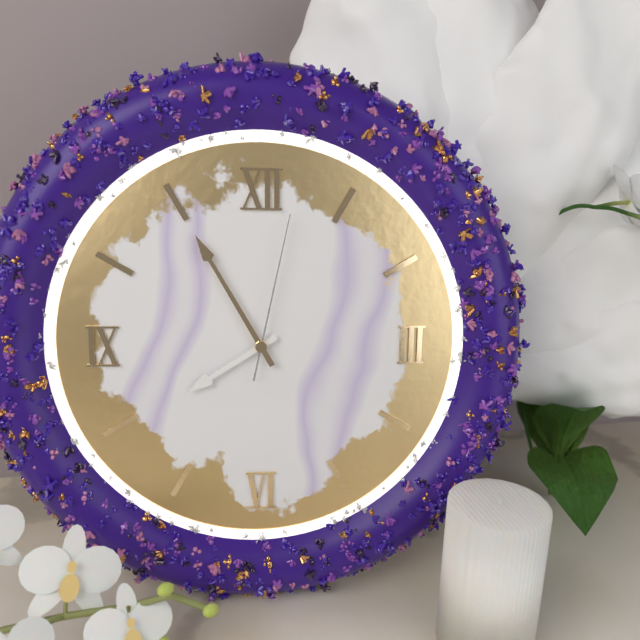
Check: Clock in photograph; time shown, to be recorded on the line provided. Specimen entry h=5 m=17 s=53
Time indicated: h=7 m=55 s=2
